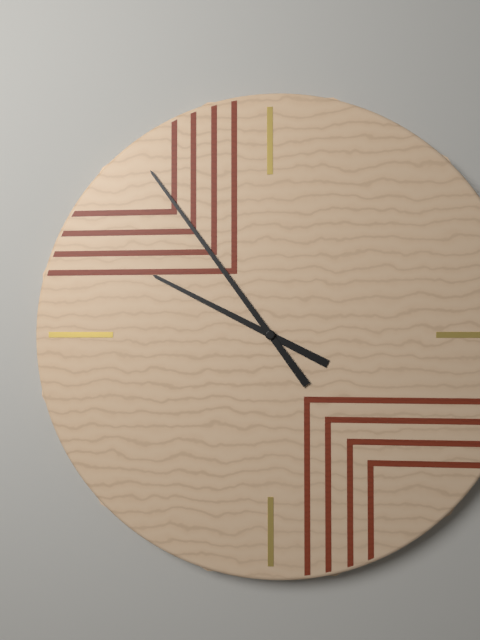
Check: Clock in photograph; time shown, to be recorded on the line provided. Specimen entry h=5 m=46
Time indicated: h=9 m=54
